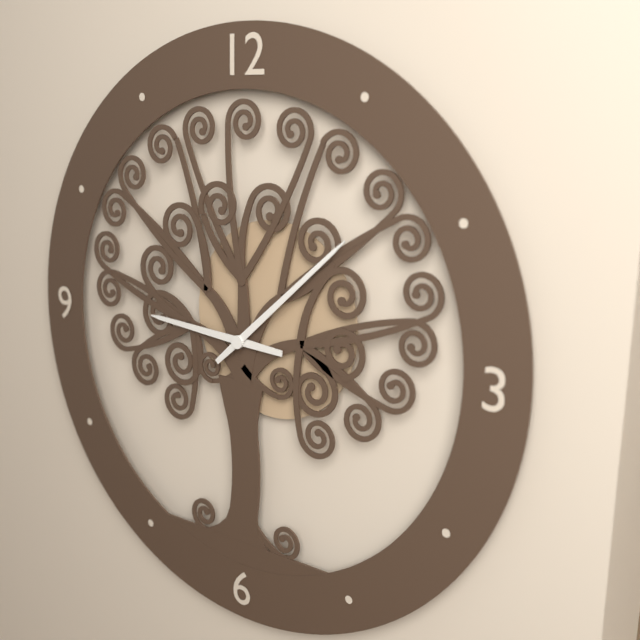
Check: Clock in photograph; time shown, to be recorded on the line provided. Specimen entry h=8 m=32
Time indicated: h=9 m=8
